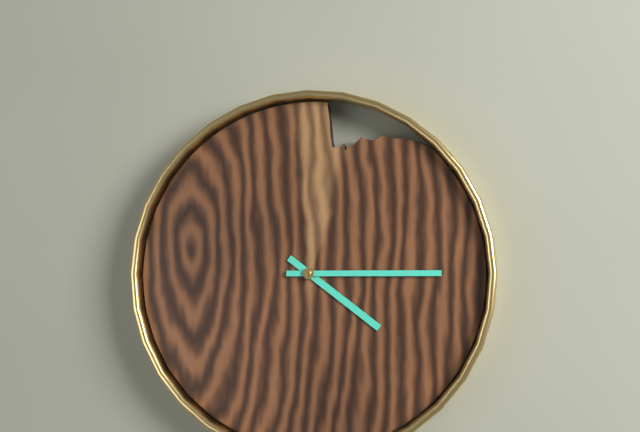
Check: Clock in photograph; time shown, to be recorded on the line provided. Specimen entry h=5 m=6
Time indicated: h=4 m=15
